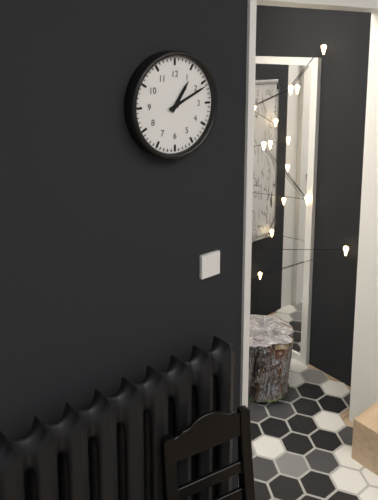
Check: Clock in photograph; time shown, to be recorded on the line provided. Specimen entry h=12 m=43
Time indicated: h=1 m=11
